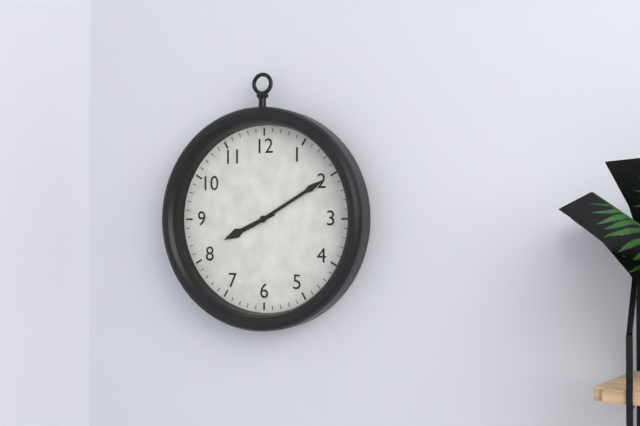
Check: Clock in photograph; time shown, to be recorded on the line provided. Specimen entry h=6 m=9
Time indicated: h=8 m=10
